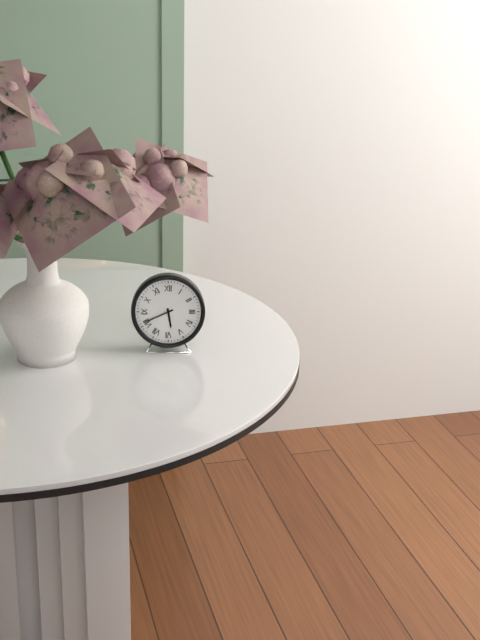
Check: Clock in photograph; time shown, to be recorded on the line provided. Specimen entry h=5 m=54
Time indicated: h=5 m=41
